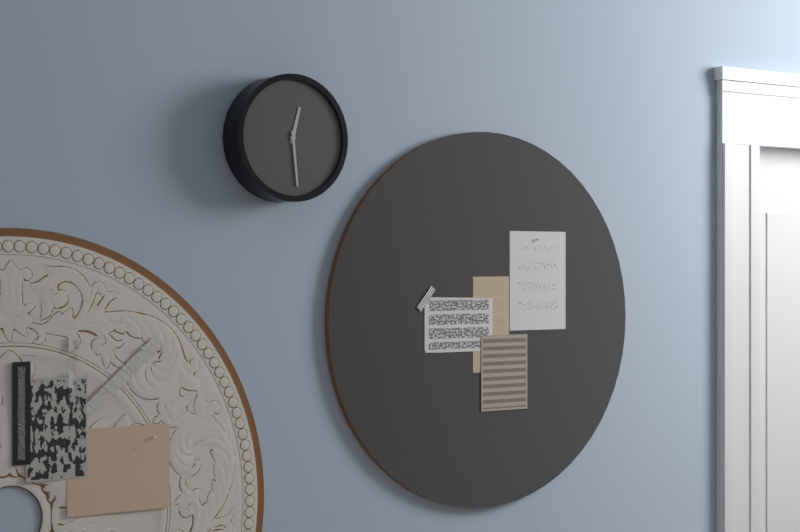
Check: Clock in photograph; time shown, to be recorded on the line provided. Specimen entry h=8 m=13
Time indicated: h=12 m=29
